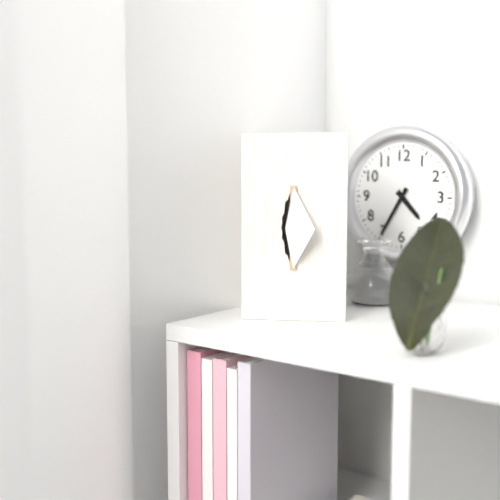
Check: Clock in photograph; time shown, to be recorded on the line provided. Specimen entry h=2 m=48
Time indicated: h=4 m=35
